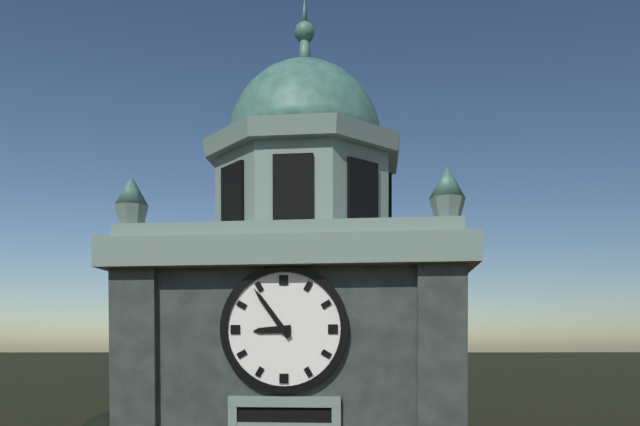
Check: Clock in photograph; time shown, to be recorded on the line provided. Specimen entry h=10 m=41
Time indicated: h=8 m=54
